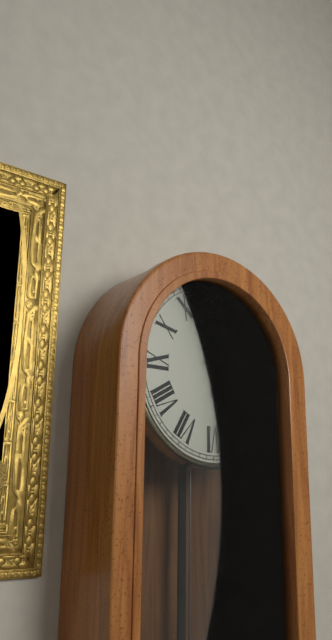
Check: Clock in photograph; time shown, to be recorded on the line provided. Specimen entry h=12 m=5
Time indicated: h=5 m=20
